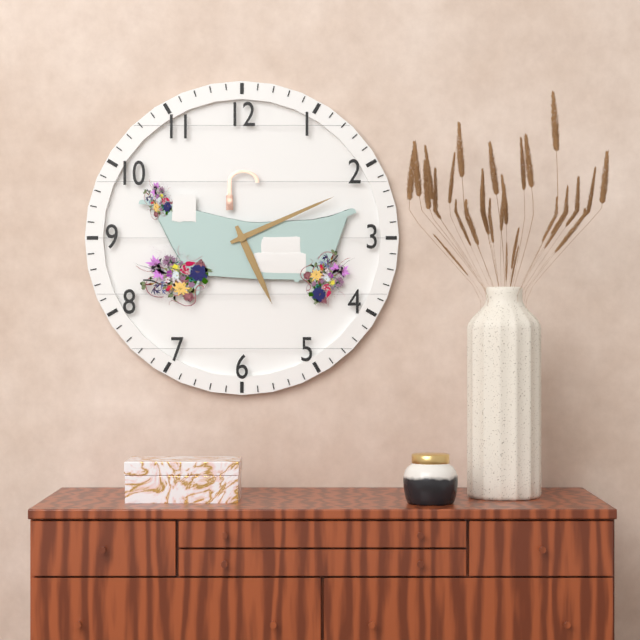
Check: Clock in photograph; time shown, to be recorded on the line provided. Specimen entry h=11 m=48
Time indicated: h=5 m=11
